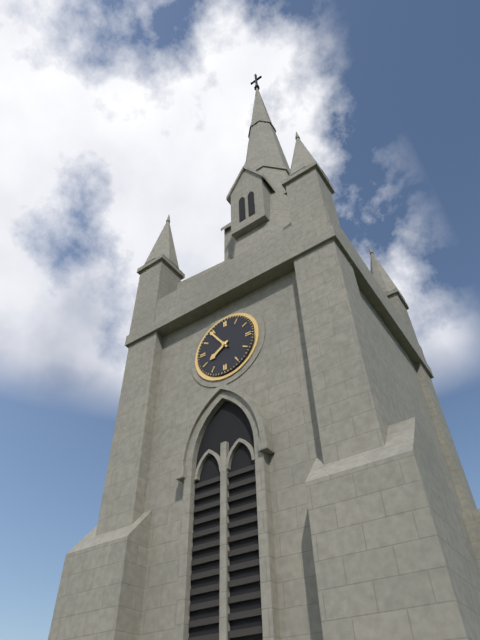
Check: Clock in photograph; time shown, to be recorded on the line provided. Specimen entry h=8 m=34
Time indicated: h=7 m=54
